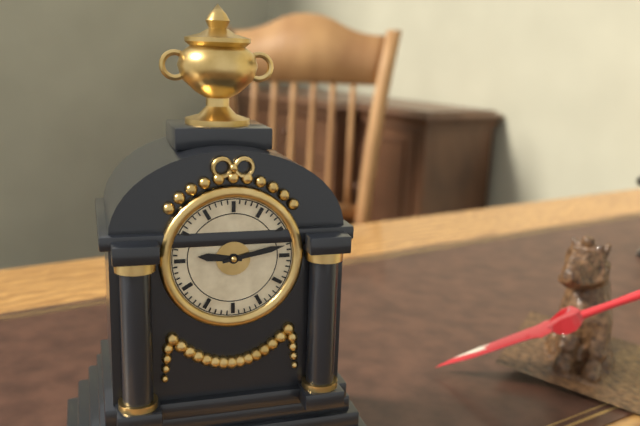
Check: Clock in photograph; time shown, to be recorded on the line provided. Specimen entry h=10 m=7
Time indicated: h=9 m=13
